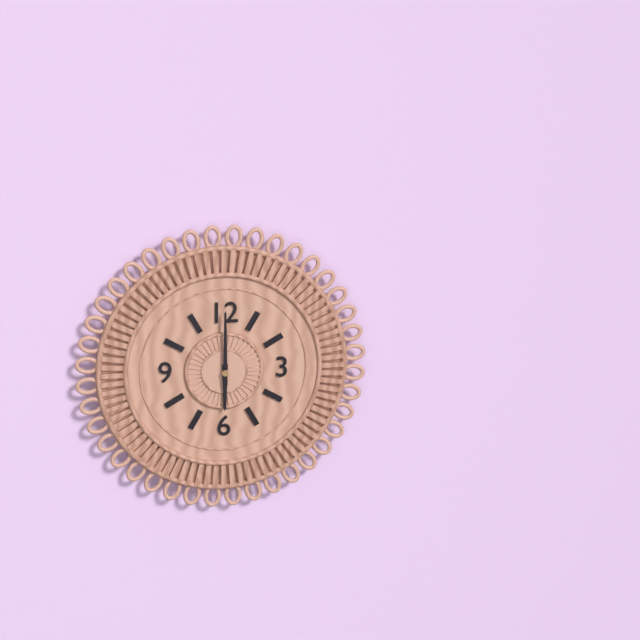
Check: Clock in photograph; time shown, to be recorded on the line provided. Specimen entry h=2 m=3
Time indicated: h=6 m=0
